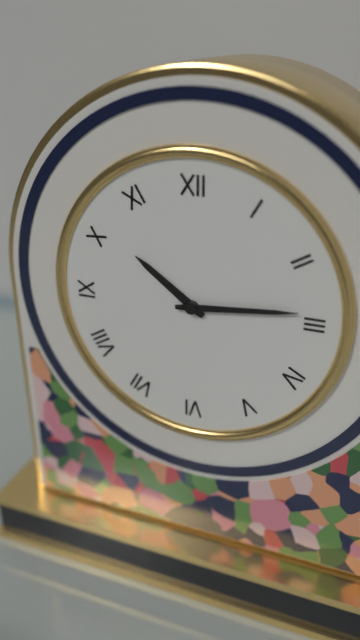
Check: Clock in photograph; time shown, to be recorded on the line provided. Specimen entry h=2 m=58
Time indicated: h=10 m=14
